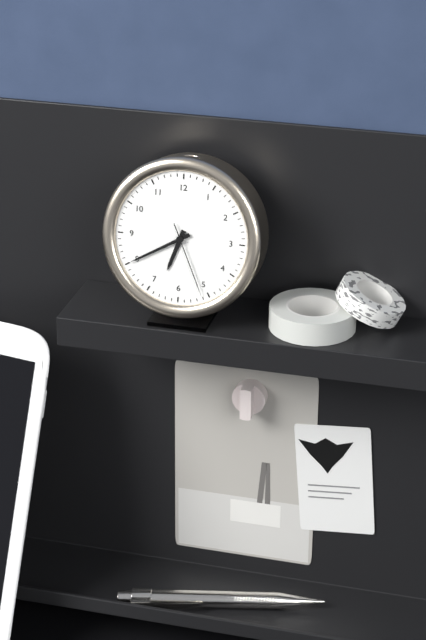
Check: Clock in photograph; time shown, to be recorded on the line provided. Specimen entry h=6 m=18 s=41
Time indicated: h=6 m=40 s=26
